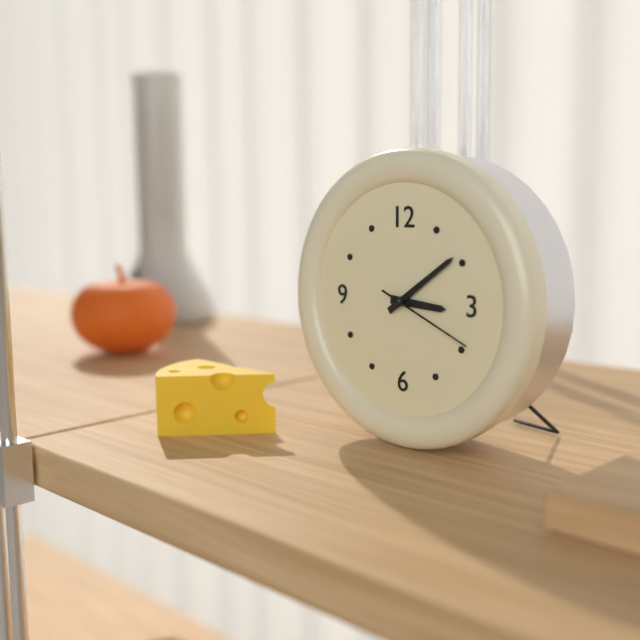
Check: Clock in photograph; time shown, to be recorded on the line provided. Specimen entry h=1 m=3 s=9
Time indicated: h=3 m=9 s=19
